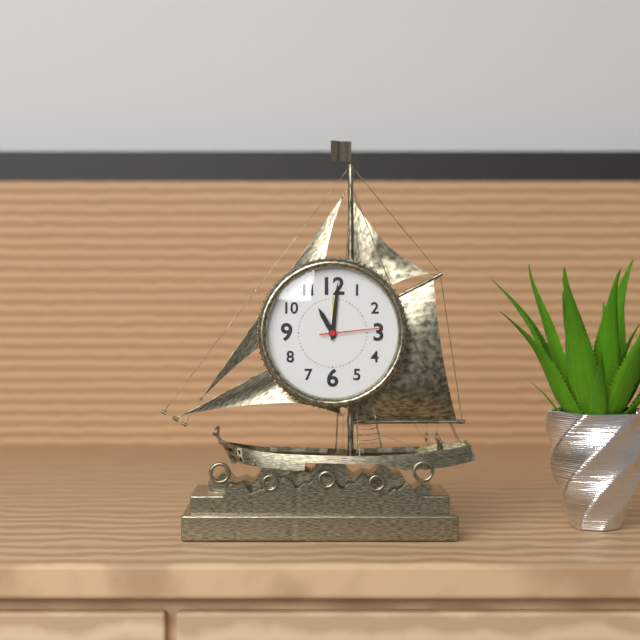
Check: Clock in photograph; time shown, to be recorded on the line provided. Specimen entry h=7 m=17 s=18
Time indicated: h=11 m=1 s=14
